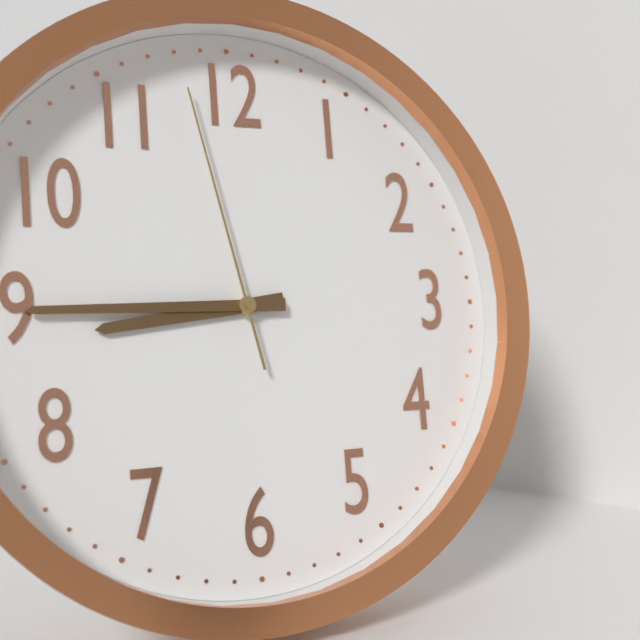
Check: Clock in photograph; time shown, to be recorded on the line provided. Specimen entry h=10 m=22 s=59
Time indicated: h=8 m=45 s=58
